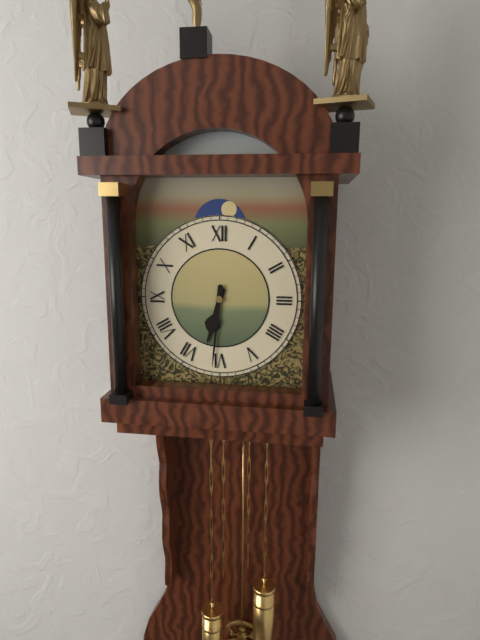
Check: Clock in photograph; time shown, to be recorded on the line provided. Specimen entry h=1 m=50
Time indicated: h=6 m=31
